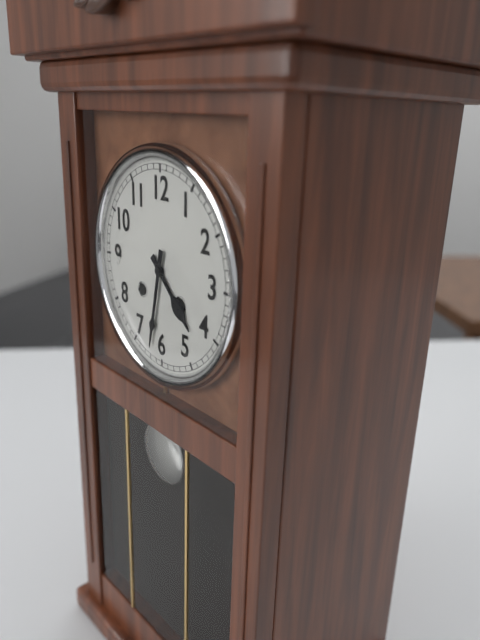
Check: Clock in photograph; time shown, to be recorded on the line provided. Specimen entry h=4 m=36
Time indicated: h=4 m=32
